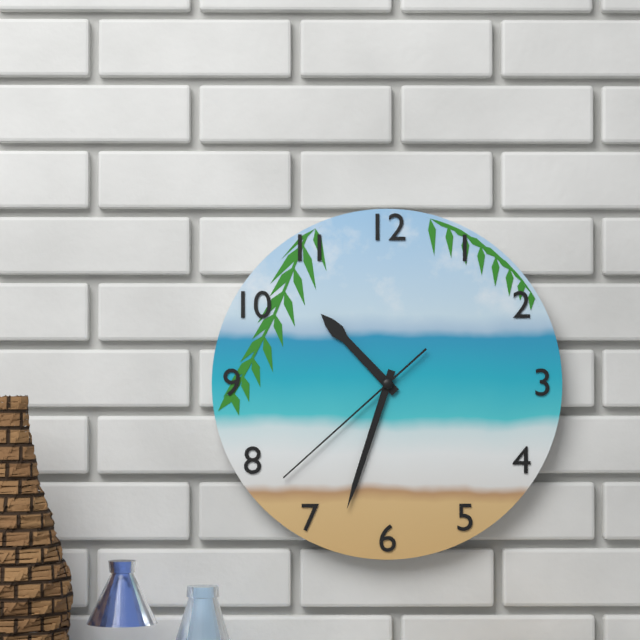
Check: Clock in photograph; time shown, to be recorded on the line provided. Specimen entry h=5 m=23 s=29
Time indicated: h=10 m=33 s=38
